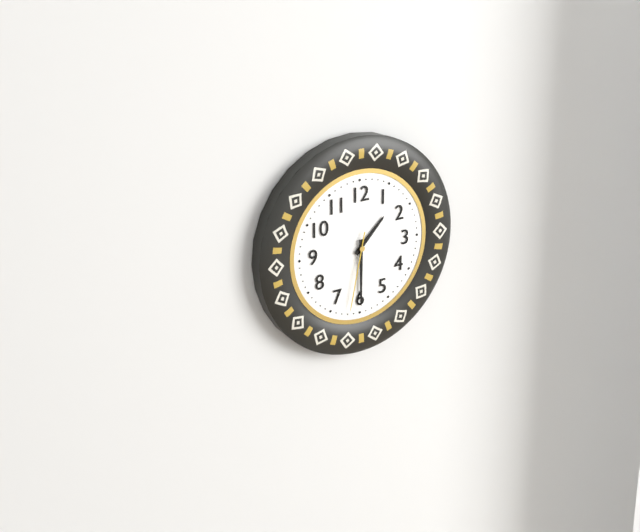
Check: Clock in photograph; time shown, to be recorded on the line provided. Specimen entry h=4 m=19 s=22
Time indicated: h=1 m=30 s=32
